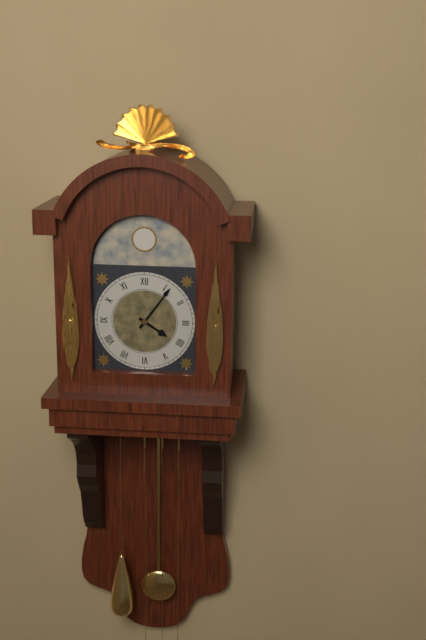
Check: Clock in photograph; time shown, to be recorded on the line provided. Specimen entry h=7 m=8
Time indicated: h=4 m=6
